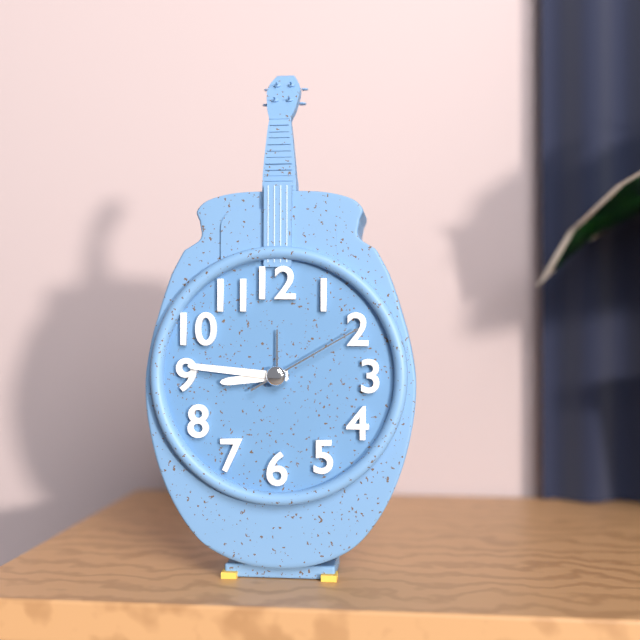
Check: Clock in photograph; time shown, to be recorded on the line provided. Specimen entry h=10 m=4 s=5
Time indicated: h=8 m=46 s=10
